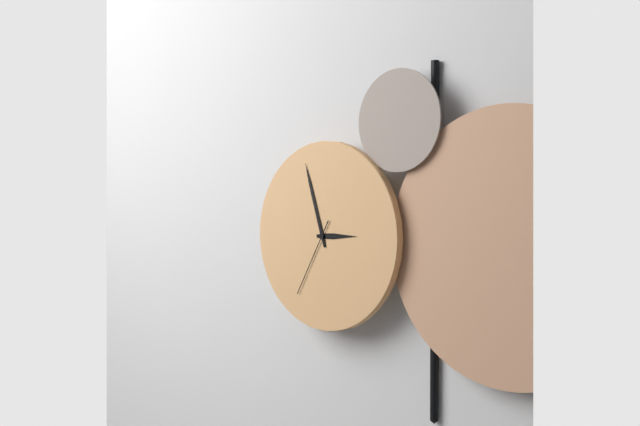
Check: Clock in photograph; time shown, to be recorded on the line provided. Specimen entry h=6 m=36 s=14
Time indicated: h=2 m=57 s=35
